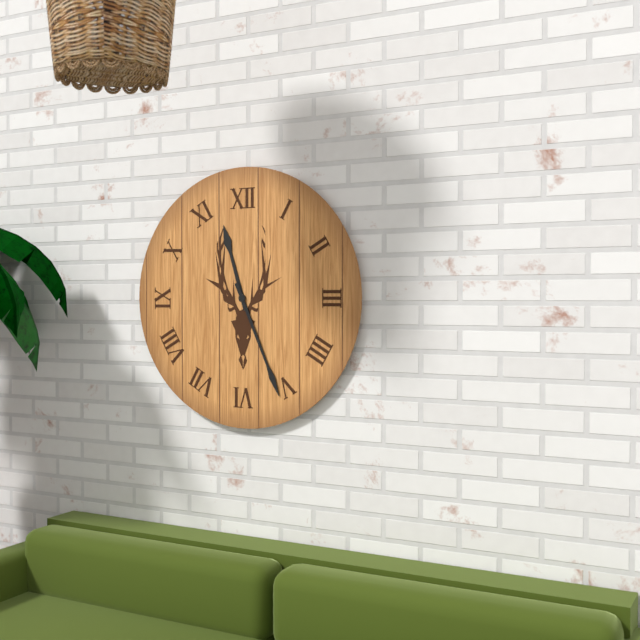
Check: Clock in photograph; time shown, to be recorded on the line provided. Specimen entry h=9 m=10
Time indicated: h=11 m=26
